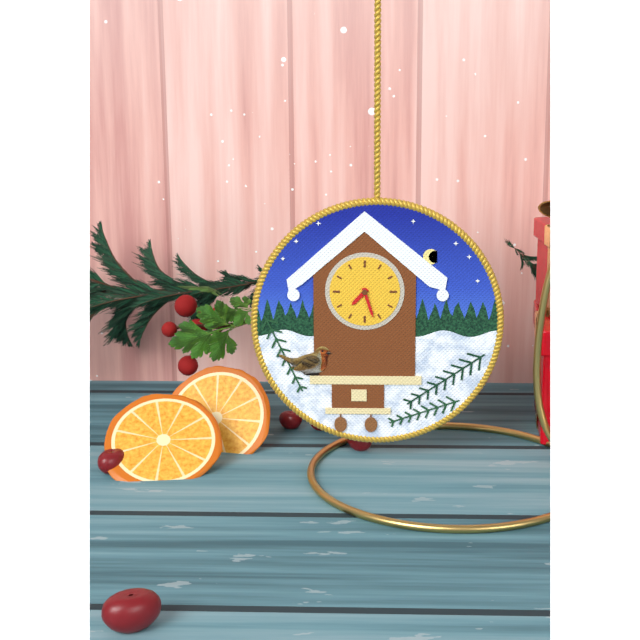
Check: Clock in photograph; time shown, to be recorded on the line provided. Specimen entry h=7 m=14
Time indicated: h=7 m=27
